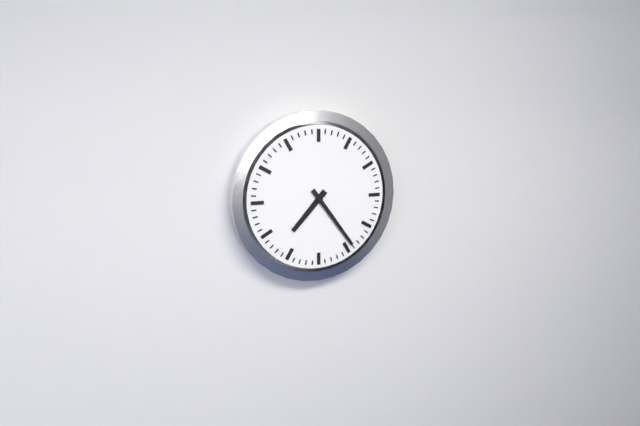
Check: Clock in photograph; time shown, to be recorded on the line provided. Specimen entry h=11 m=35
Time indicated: h=7 m=24
